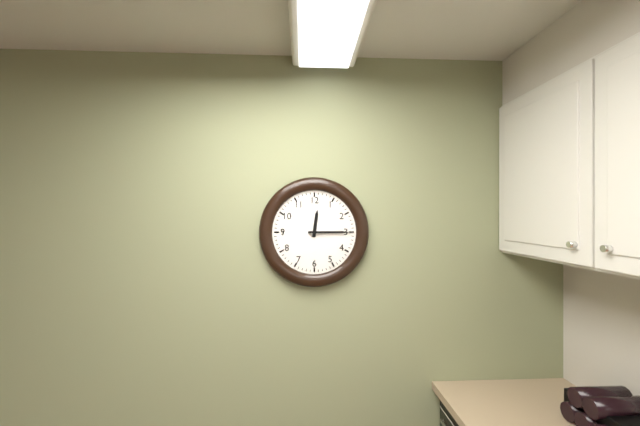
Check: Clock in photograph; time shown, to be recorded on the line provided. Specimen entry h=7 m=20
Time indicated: h=12 m=15
